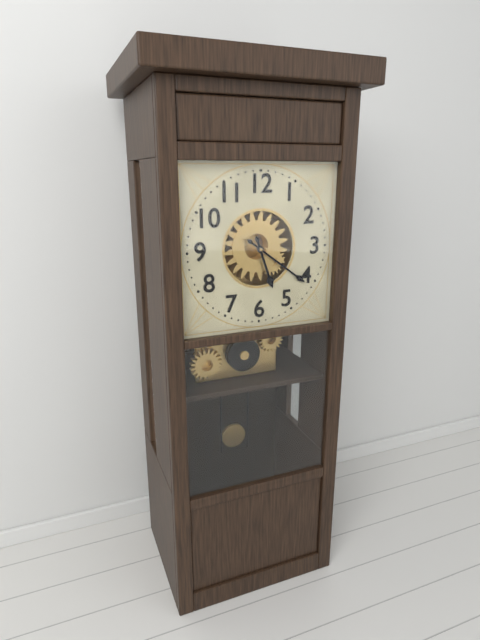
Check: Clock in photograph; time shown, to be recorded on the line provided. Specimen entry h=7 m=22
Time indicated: h=5 m=21
